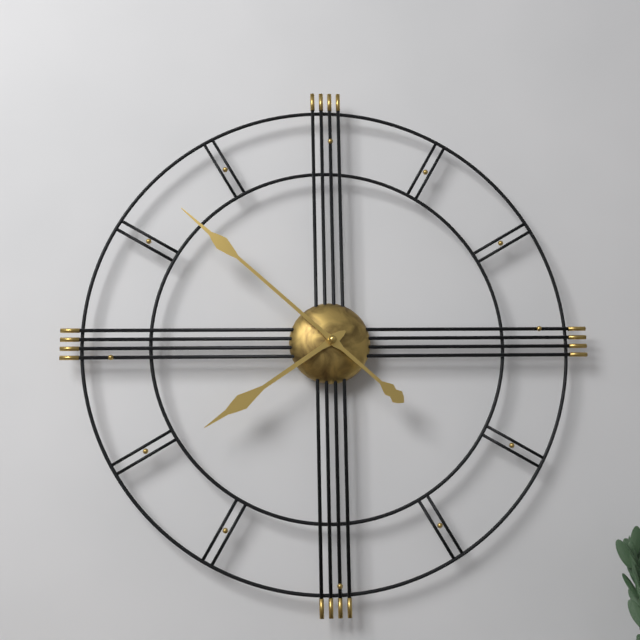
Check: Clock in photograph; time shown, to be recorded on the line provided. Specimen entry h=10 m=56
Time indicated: h=7 m=52
